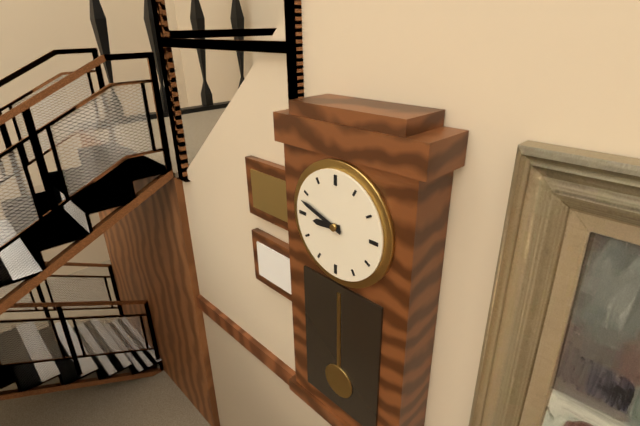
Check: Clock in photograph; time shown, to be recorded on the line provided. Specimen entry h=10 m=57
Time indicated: h=8 m=48
